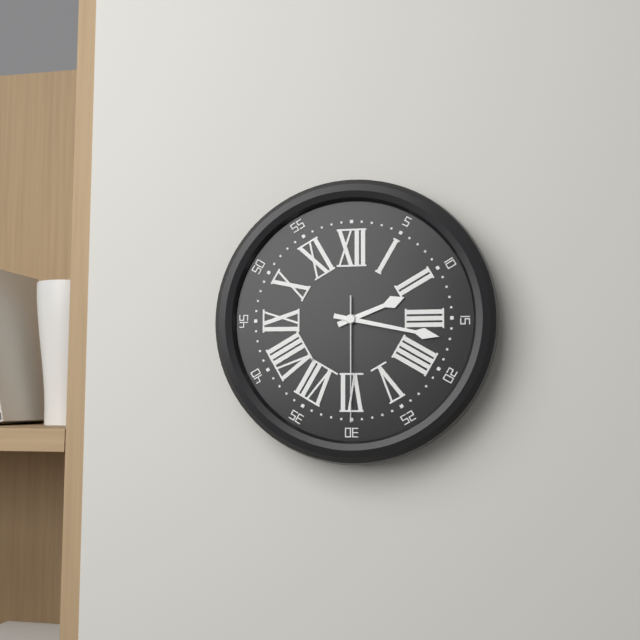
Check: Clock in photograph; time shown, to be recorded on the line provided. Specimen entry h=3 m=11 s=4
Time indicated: h=2 m=17 s=30
